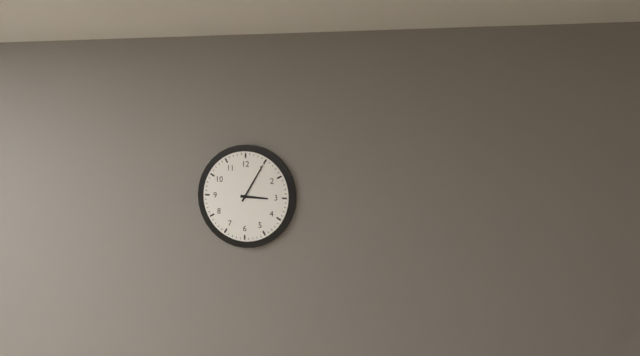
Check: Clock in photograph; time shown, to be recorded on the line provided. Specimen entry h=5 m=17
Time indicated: h=3 m=5
